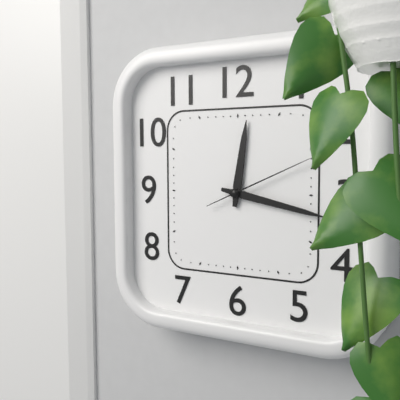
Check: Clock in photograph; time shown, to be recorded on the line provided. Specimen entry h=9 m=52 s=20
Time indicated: h=12 m=17 s=11
